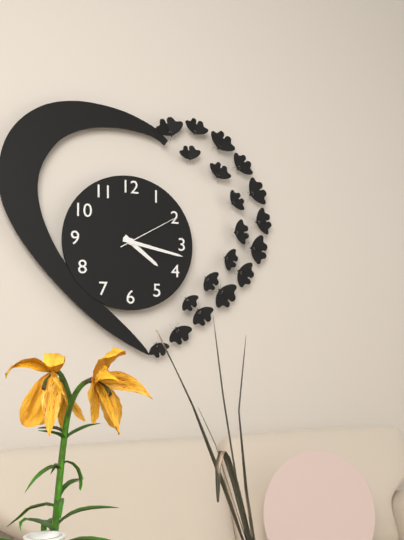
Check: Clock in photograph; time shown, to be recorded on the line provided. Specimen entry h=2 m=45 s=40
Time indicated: h=4 m=17 s=10
